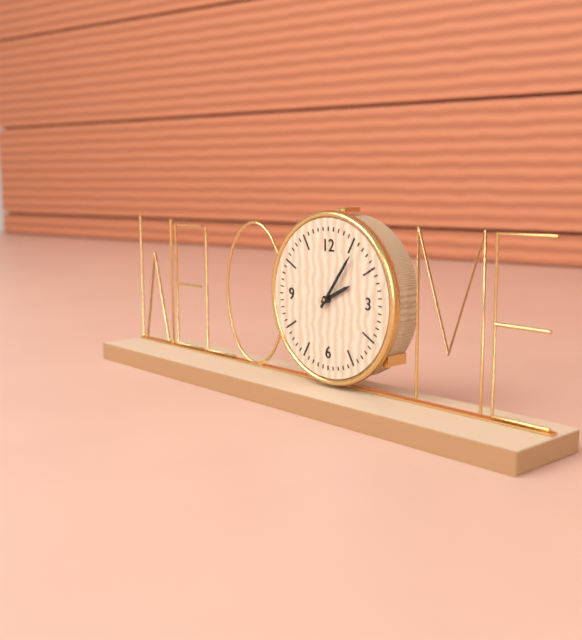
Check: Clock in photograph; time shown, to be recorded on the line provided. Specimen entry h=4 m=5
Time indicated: h=2 m=6
